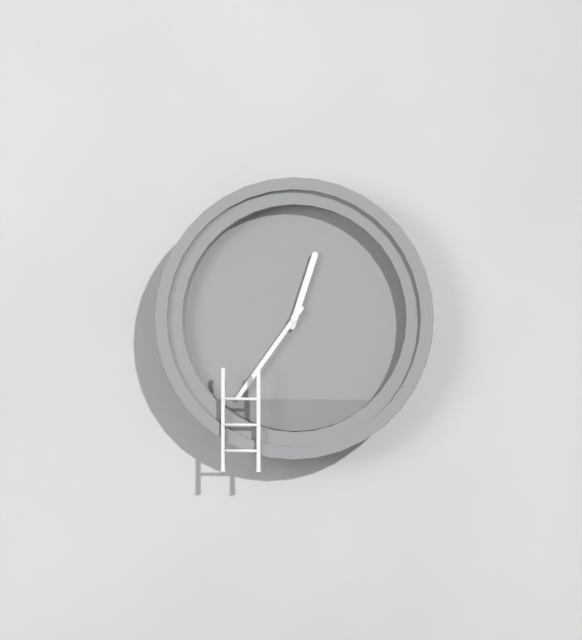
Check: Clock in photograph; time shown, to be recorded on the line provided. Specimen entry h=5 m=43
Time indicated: h=12 m=36
